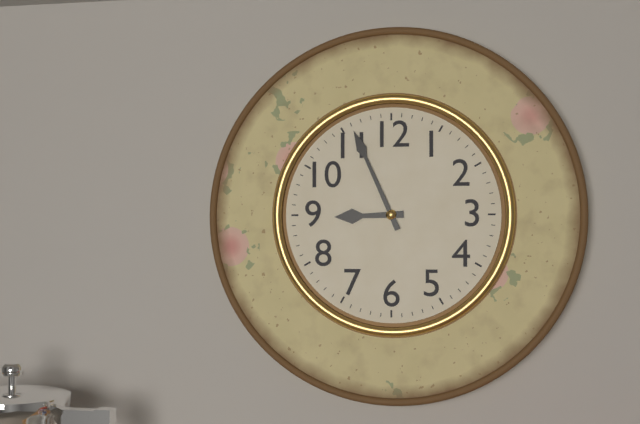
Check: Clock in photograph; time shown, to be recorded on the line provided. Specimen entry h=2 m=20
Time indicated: h=8 m=56
